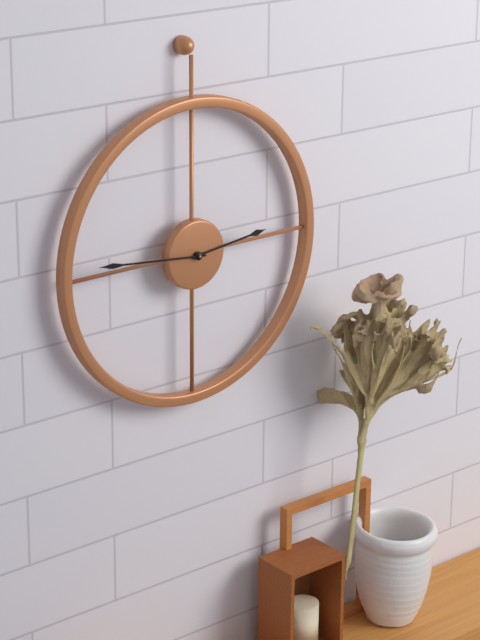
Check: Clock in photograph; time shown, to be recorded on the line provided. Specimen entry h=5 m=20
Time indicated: h=2 m=46
